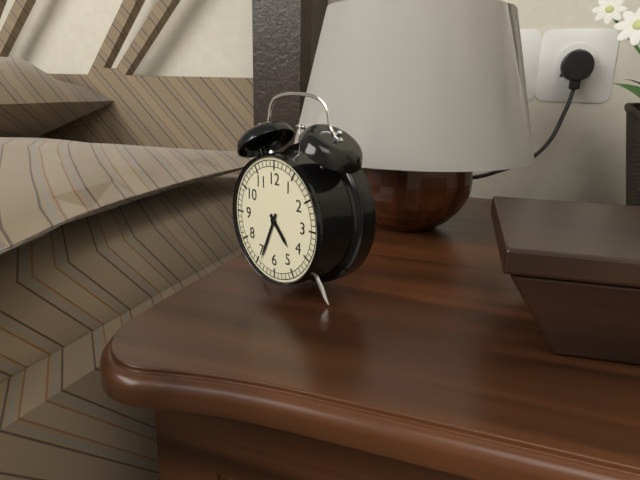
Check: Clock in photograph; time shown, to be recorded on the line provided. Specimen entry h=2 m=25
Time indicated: h=4 m=34
